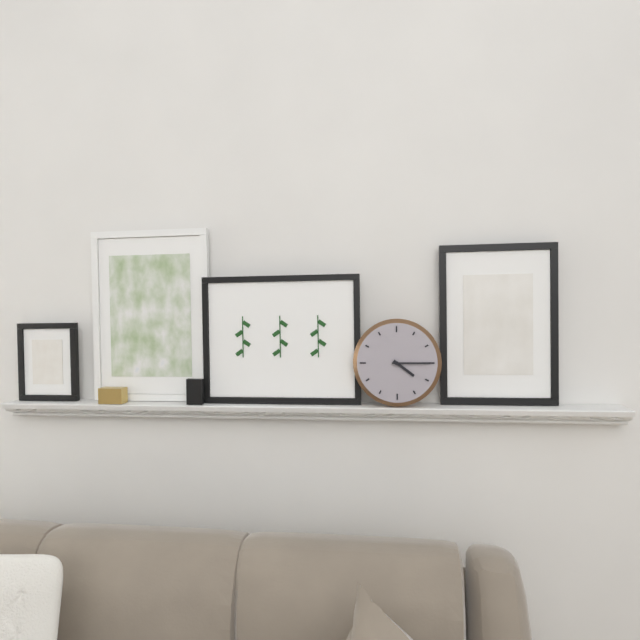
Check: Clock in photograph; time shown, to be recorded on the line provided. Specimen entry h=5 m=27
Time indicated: h=4 m=15
